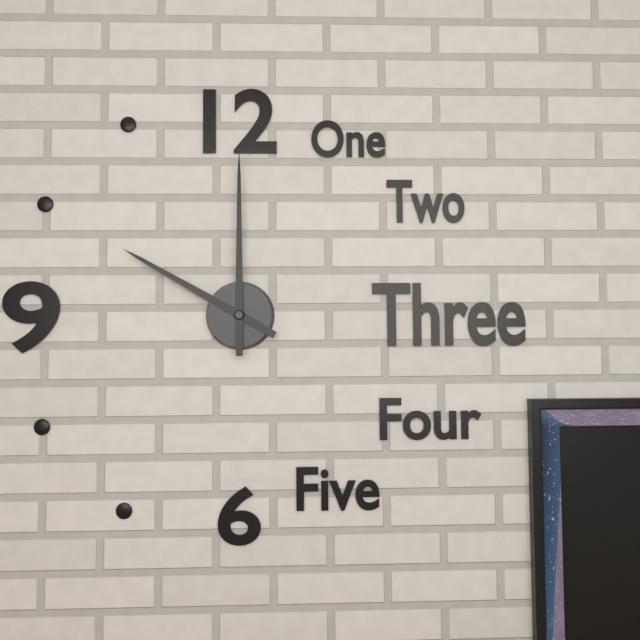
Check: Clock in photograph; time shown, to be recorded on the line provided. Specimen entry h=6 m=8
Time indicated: h=10 m=0
